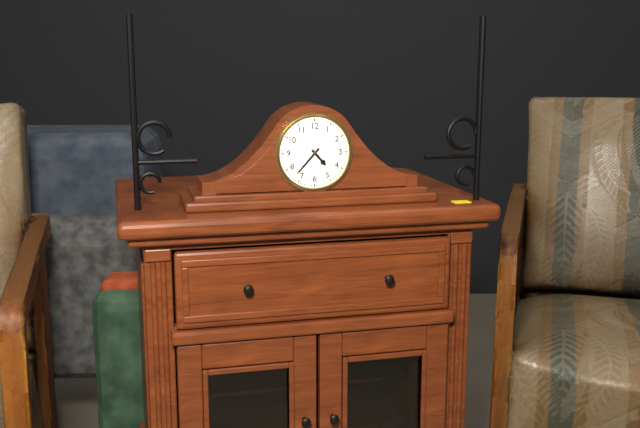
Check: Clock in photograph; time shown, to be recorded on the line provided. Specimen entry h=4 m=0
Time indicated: h=4 m=37
